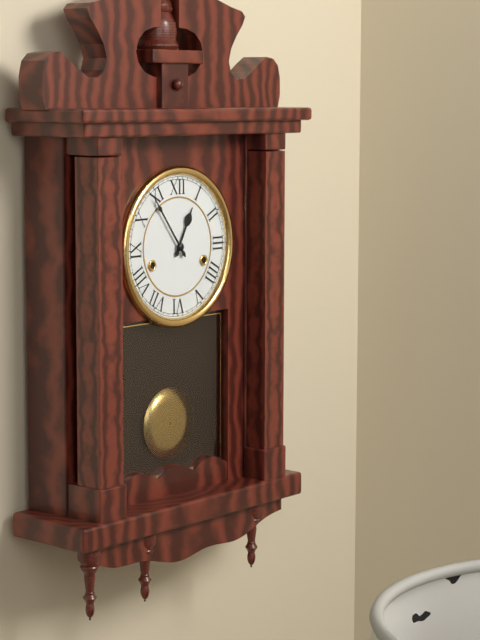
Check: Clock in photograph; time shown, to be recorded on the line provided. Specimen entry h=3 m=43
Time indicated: h=12 m=54
